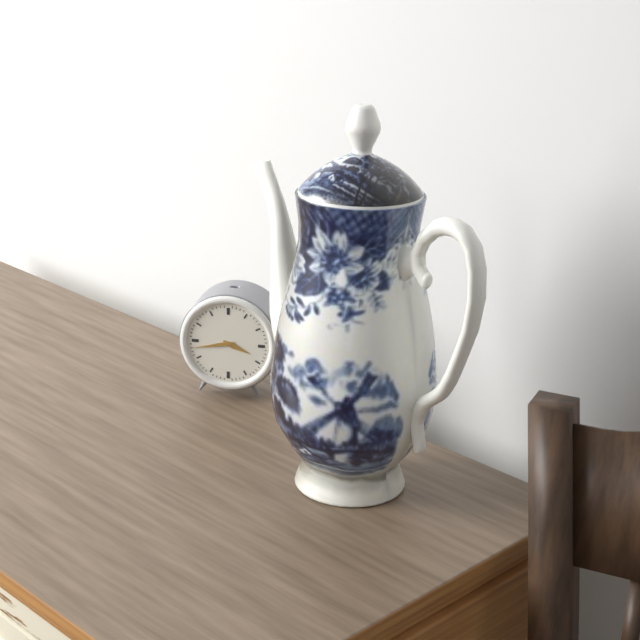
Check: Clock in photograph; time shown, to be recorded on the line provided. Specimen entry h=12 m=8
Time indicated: h=3 m=43
